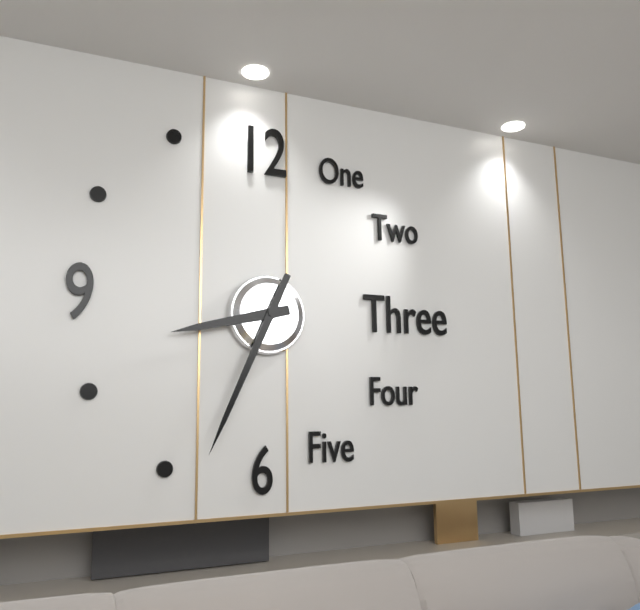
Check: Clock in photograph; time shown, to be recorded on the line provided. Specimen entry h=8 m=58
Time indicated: h=8 m=34
